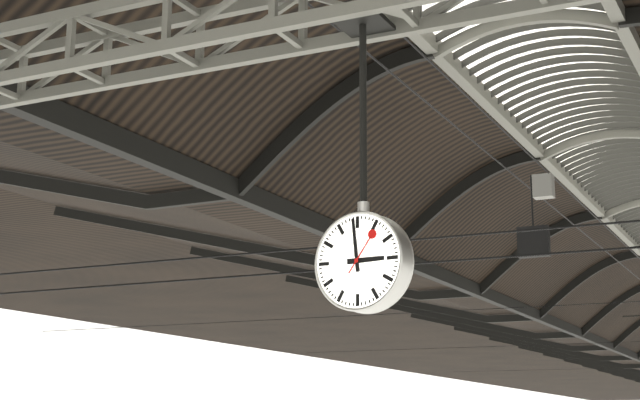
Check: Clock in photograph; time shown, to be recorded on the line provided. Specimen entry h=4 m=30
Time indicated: h=2 m=59
